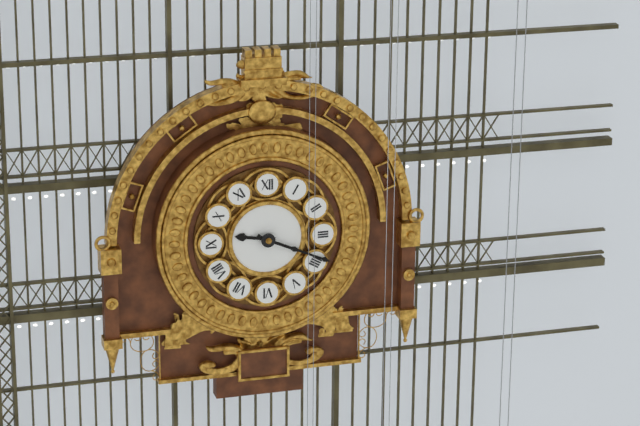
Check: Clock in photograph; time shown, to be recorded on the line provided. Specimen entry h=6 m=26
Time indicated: h=9 m=19
